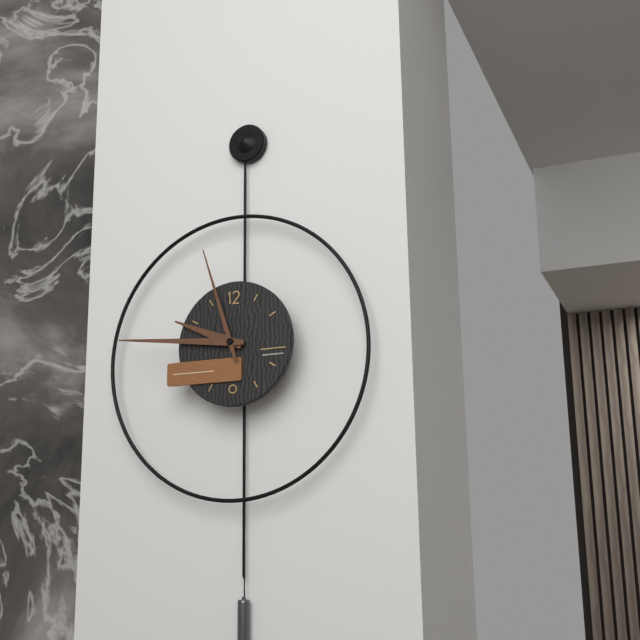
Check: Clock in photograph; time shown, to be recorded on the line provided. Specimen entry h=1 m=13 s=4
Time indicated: h=9 m=46 s=57
